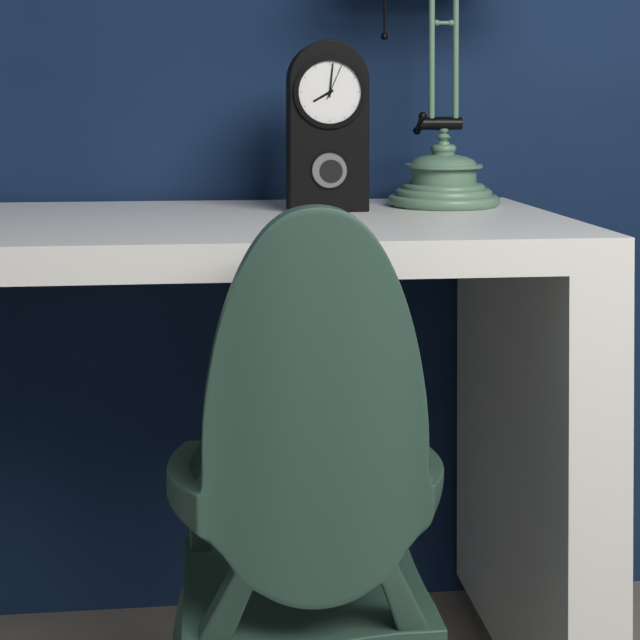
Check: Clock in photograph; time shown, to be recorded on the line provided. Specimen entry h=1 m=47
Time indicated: h=8 m=1
